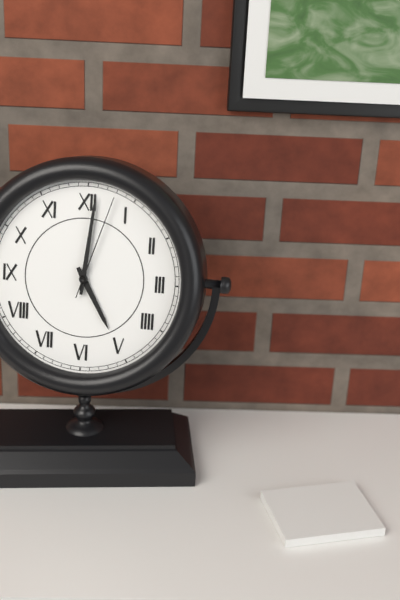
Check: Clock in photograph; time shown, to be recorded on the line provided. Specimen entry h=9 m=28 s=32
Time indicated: h=5 m=1 s=3
